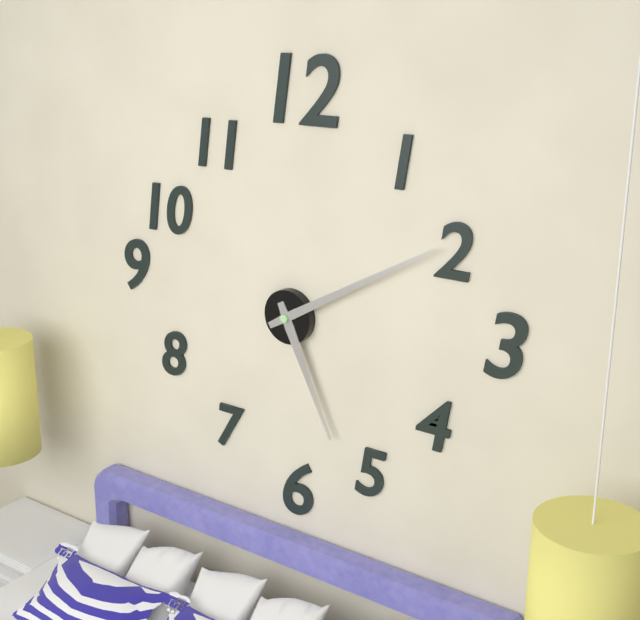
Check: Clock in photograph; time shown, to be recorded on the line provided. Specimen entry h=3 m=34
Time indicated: h=5 m=10
